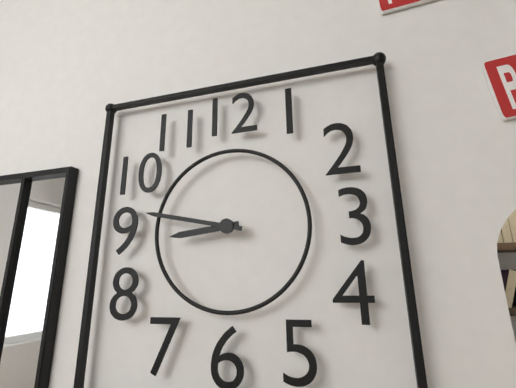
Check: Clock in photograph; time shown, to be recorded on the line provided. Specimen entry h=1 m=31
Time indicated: h=8 m=47
